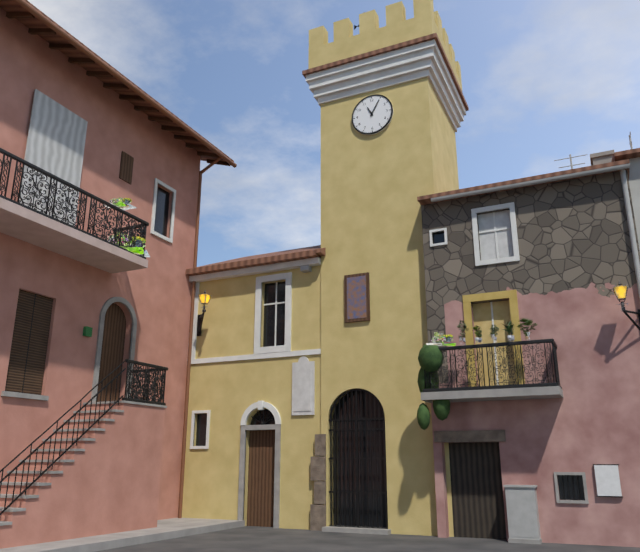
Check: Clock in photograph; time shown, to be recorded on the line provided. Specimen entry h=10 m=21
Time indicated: h=11 m=5
